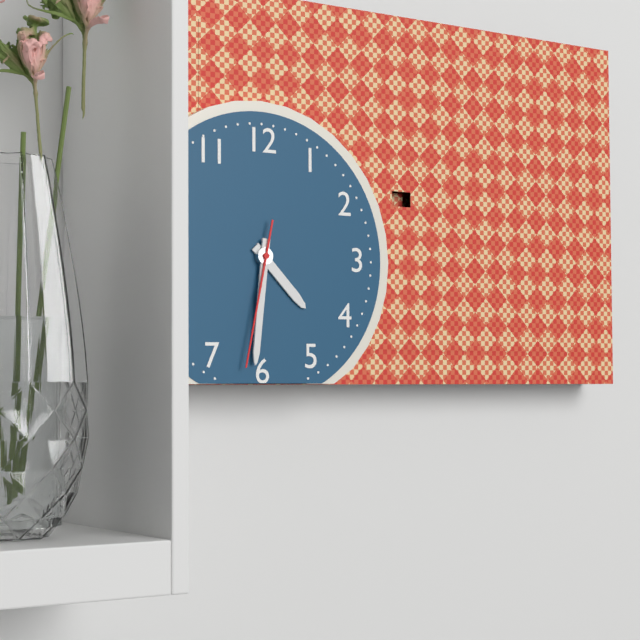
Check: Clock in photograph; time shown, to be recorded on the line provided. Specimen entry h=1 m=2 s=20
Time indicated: h=4 m=31 s=32
